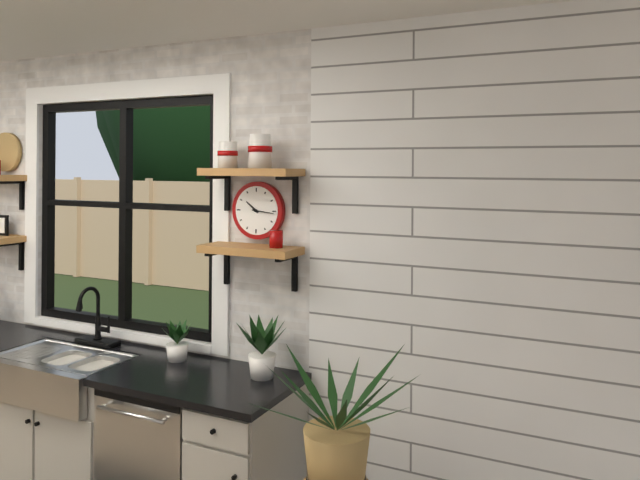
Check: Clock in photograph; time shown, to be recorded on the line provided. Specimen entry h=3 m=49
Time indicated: h=10 m=16
